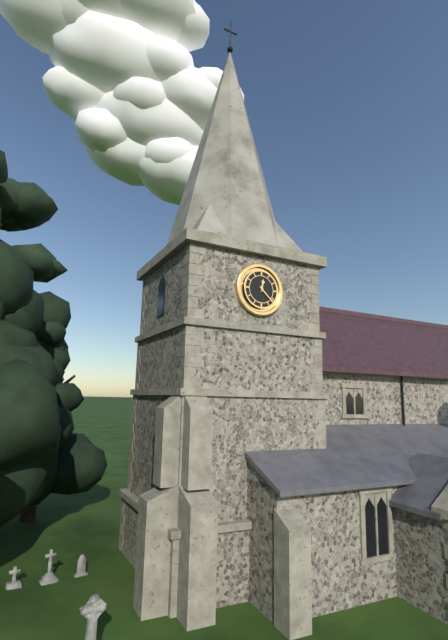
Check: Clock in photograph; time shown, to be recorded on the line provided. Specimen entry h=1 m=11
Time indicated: h=12 m=22
